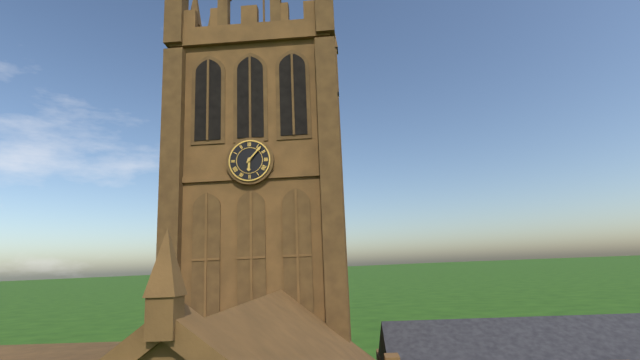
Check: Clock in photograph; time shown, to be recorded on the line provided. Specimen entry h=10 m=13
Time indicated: h=6 m=7
